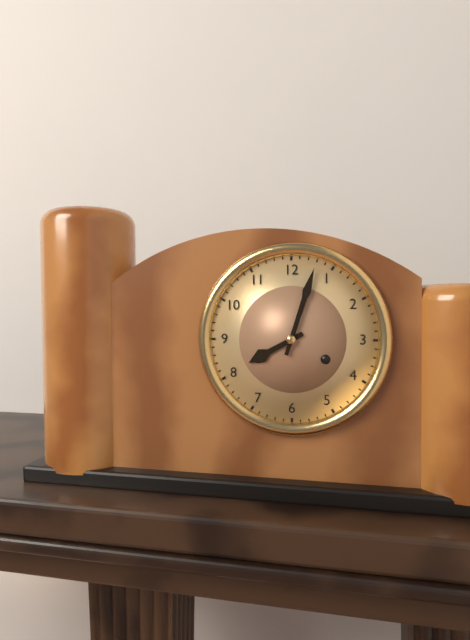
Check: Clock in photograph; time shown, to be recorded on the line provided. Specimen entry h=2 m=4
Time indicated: h=8 m=3
